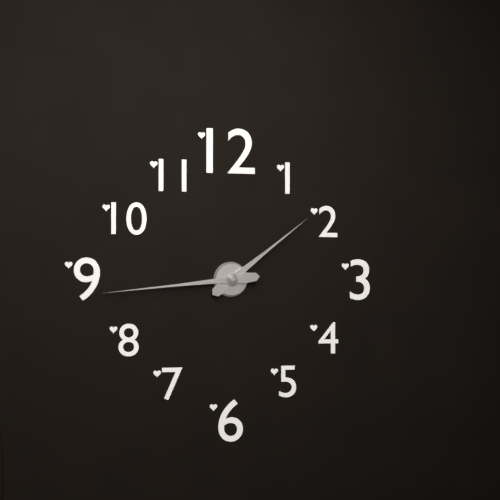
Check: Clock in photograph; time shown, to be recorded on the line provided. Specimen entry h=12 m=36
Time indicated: h=1 m=44
